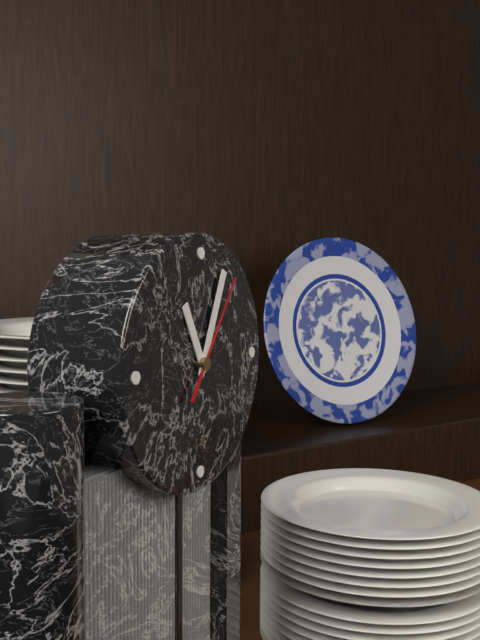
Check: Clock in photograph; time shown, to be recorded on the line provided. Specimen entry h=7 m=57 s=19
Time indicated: h=11 m=4 s=6
